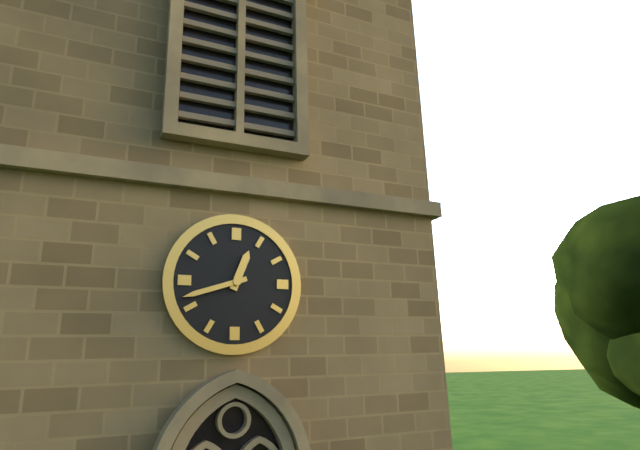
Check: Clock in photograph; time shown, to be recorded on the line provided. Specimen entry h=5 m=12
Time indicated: h=12 m=42
